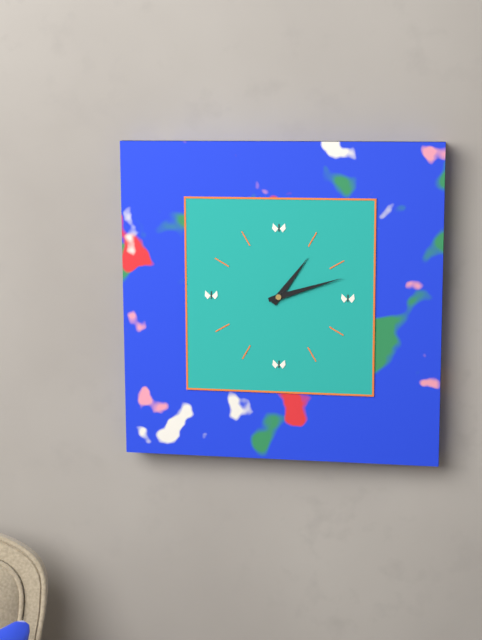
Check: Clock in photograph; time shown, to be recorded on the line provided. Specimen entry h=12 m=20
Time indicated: h=1 m=12
